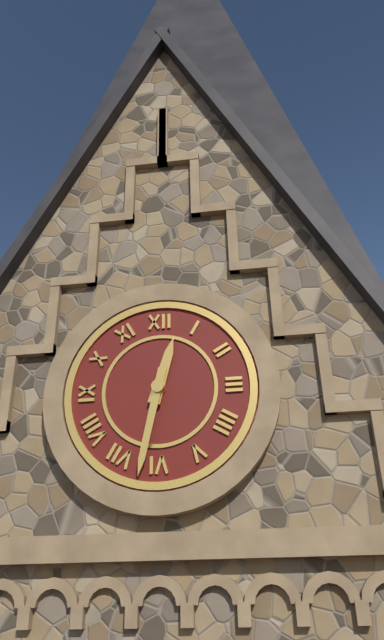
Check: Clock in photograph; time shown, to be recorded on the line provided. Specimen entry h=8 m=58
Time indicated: h=12 m=32
